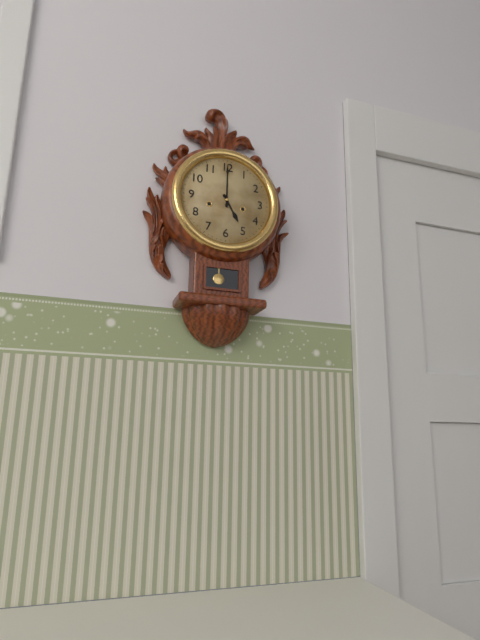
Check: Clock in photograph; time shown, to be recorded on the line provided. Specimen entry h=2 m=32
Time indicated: h=5 m=0
